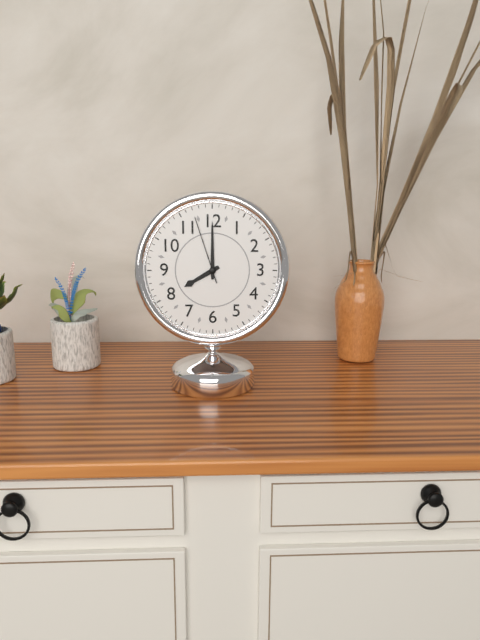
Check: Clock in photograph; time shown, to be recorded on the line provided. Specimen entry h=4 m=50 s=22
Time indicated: h=8 m=0 s=57
